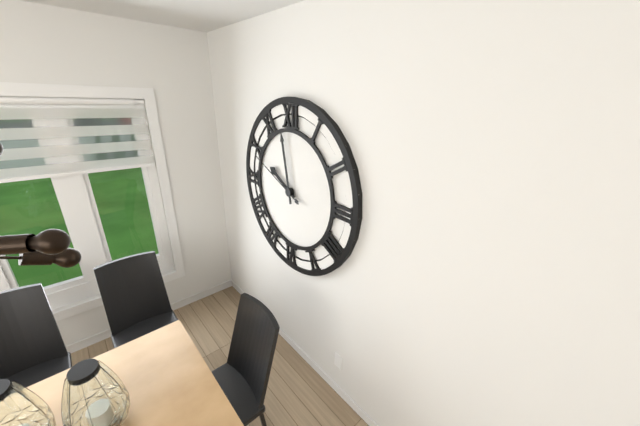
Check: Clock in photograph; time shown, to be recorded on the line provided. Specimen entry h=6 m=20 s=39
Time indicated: h=9 m=58 s=49
